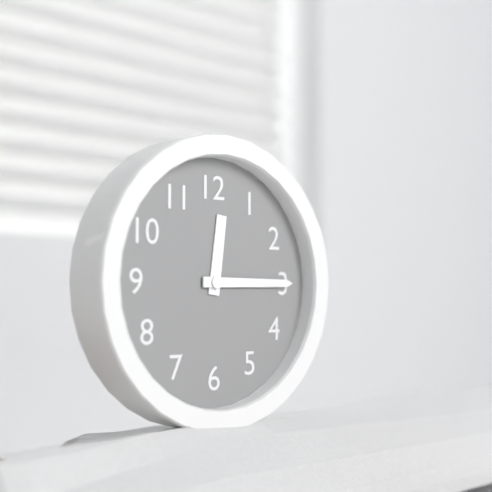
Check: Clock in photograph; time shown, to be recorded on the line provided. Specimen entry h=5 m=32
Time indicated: h=12 m=15
